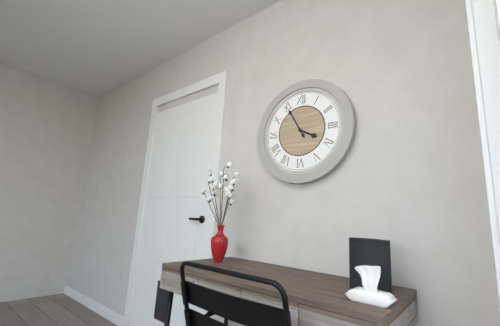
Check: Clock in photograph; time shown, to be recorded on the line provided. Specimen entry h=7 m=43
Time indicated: h=3 m=55
